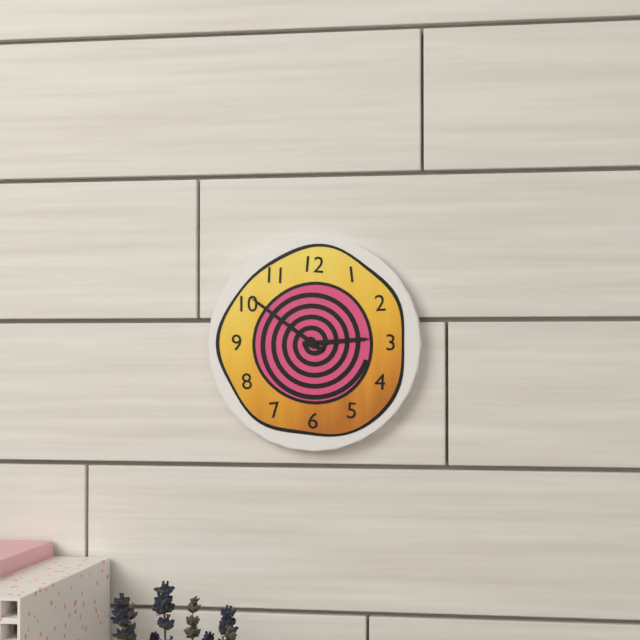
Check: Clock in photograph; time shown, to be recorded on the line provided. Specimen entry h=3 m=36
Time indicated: h=2 m=51
